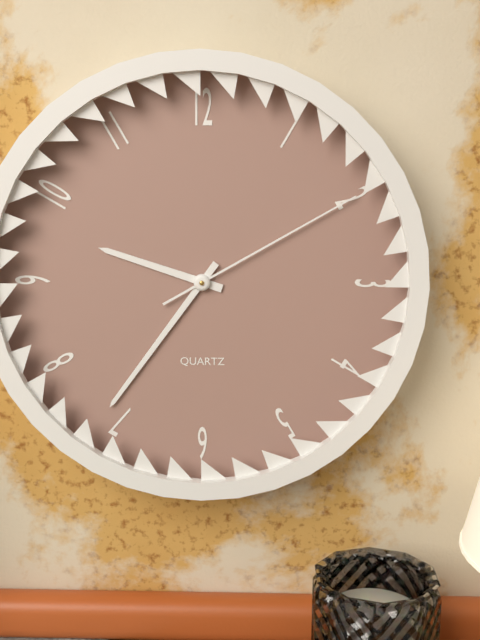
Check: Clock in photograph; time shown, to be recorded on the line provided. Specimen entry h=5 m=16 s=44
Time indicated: h=9 m=36 s=10
